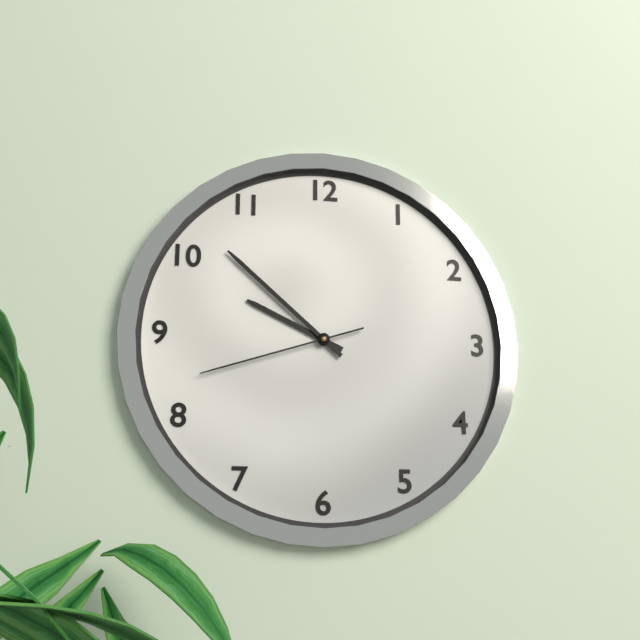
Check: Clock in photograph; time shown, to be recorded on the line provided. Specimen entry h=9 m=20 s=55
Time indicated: h=9 m=52 s=42
